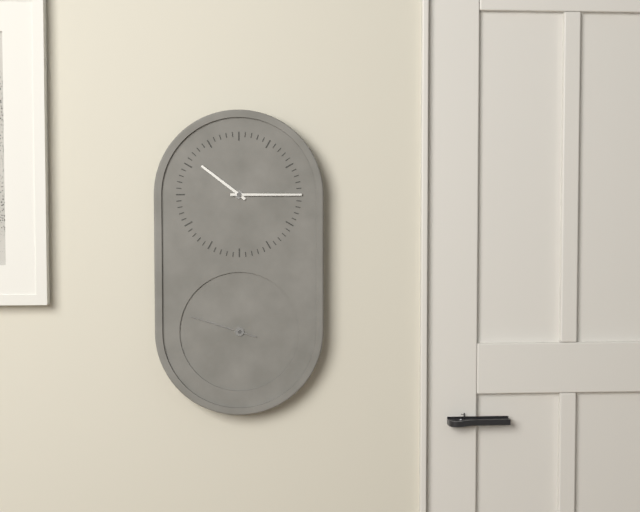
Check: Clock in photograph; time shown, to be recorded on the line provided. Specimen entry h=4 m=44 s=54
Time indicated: h=10 m=15 s=48
